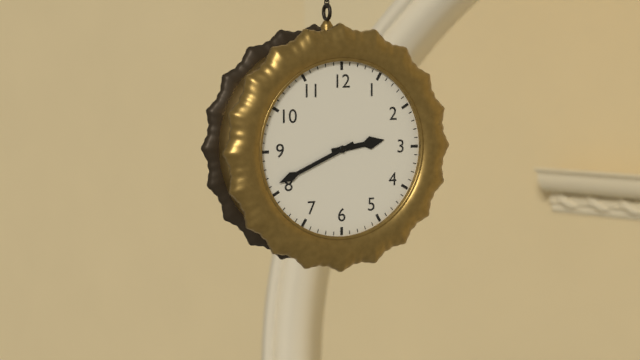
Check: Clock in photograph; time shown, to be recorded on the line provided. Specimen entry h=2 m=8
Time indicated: h=2 m=41
